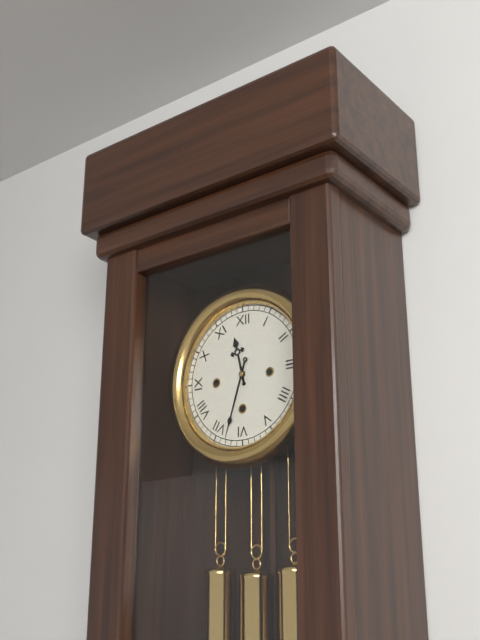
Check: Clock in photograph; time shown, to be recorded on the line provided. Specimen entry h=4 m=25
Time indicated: h=11 m=33
